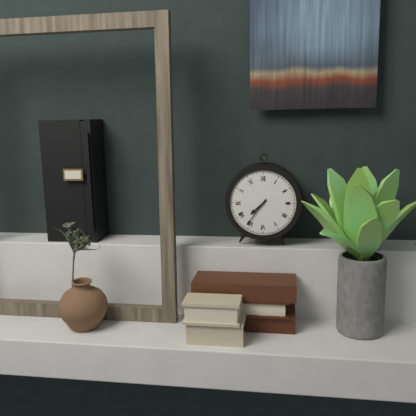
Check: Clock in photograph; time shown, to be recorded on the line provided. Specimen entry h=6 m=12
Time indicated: h=7 m=36
